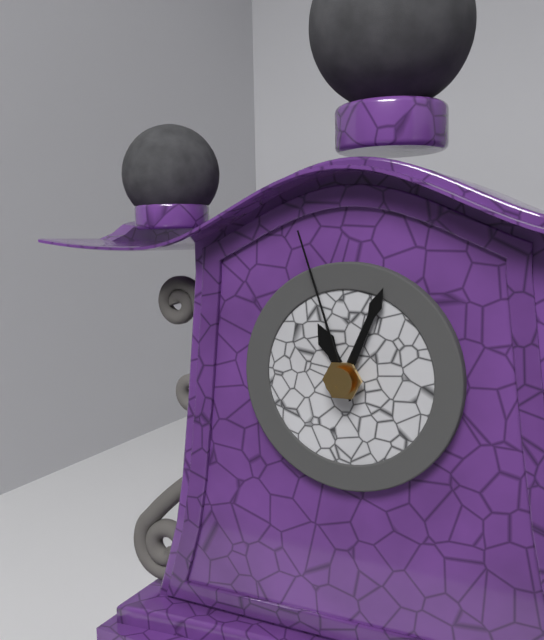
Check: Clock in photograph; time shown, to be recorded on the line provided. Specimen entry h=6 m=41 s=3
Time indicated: h=11 m=4 s=57
